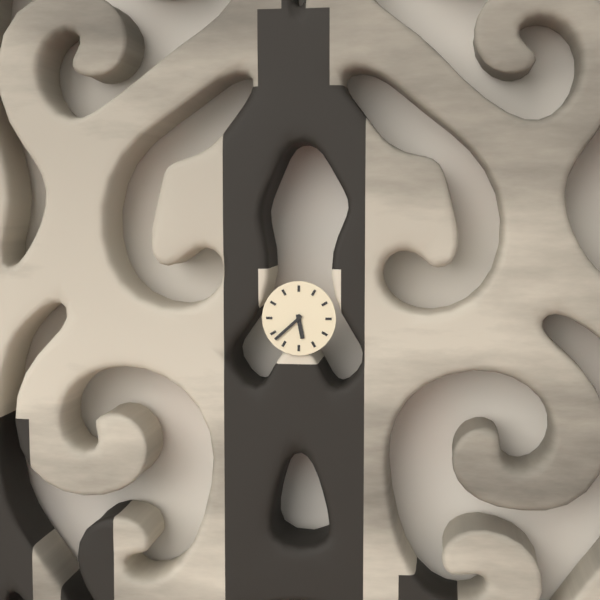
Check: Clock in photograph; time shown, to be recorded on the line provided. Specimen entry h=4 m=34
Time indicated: h=5 m=38
